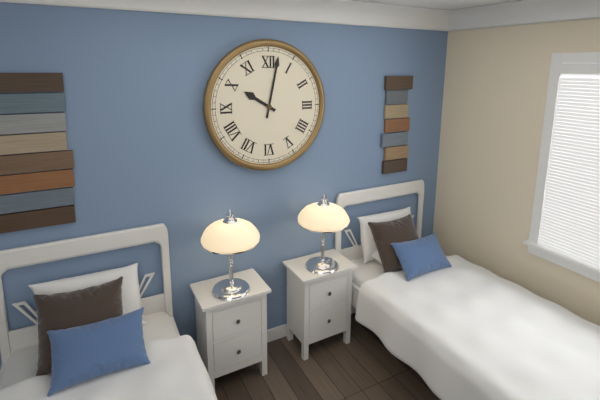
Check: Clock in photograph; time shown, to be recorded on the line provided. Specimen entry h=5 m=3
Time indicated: h=10 m=2
